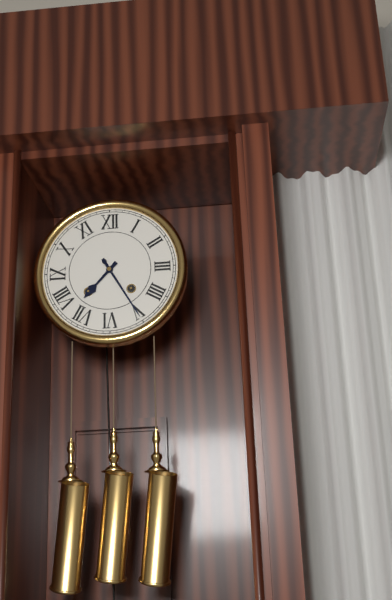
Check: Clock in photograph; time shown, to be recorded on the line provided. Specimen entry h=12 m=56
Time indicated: h=7 m=25
